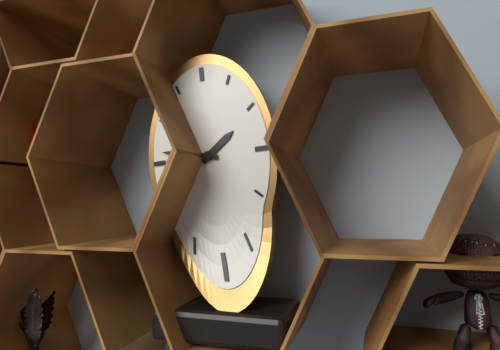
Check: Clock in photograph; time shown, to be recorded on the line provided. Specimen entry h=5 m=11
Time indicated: h=1 m=47
